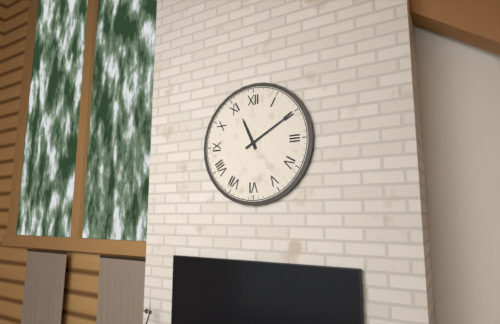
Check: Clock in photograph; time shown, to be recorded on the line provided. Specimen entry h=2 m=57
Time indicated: h=11 m=10
